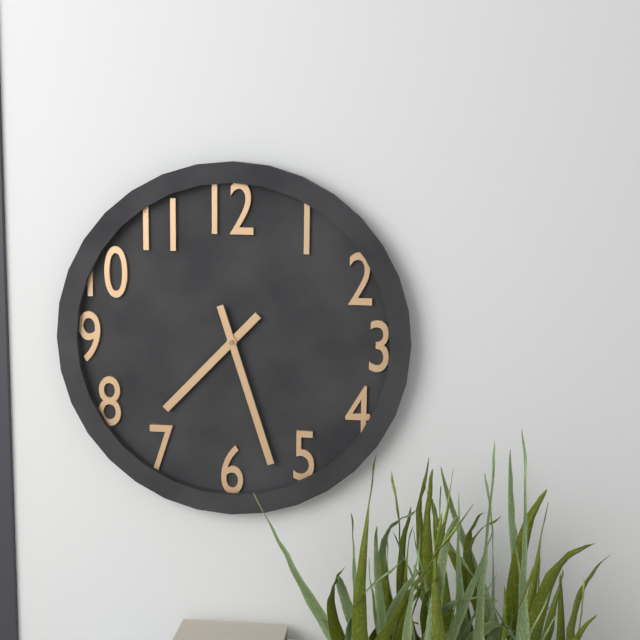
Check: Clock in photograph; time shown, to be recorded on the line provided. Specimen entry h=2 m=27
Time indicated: h=7 m=27
